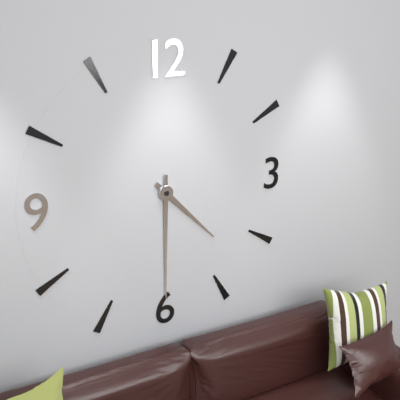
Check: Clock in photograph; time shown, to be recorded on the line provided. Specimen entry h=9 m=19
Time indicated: h=4 m=30
